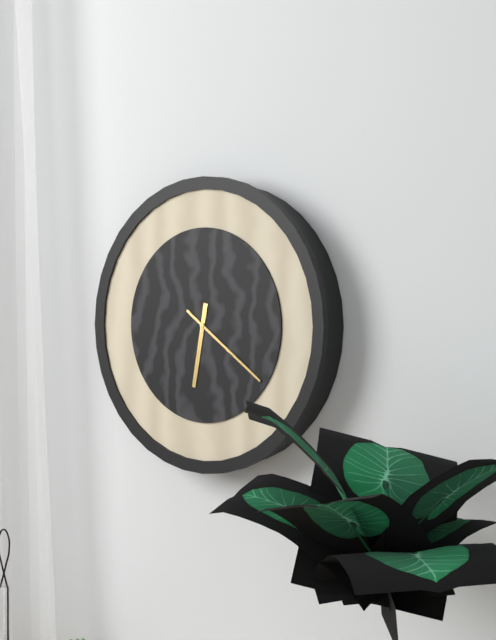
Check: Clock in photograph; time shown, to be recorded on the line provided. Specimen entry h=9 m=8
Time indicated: h=6 m=21
